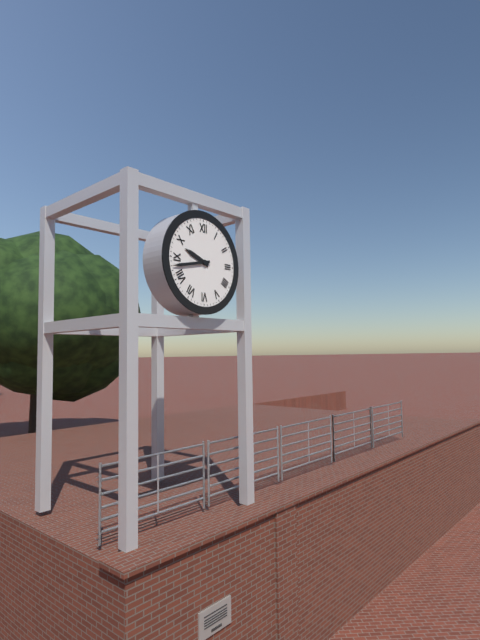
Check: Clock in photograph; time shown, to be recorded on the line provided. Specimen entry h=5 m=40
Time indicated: h=9 m=43
